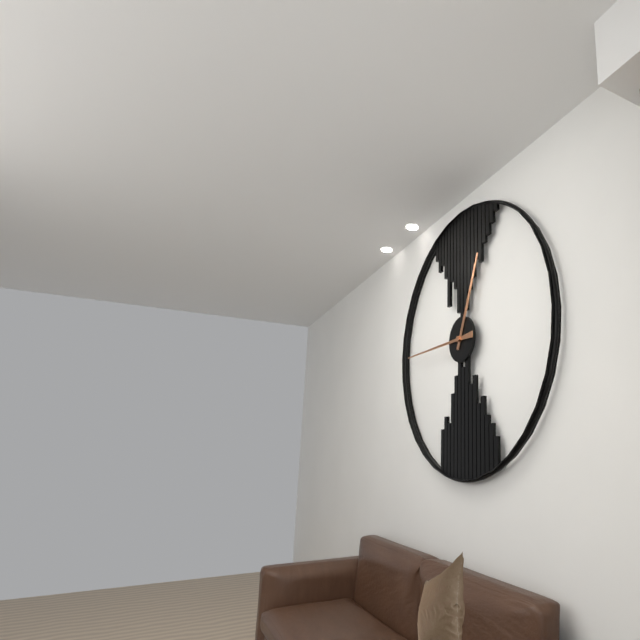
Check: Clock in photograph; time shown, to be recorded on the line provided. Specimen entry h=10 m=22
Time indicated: h=12 m=45
